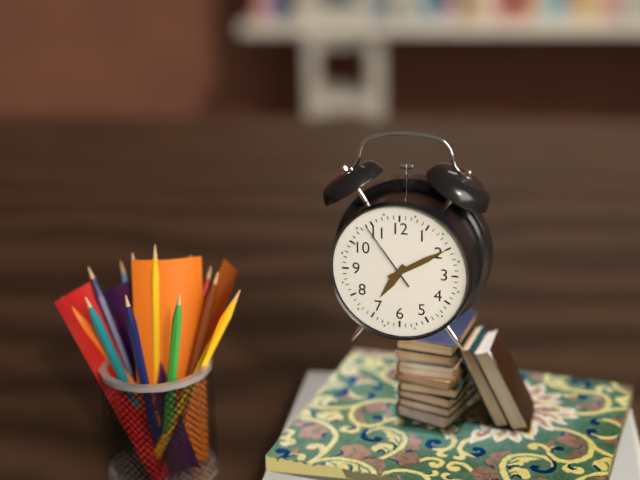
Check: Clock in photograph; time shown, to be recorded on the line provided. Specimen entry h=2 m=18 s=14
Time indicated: h=7 m=10 s=54
